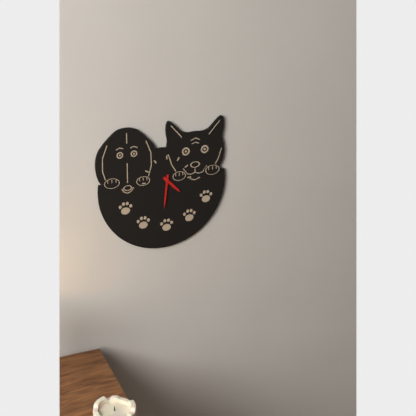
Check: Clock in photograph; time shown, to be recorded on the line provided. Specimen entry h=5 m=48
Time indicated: h=4 m=31
